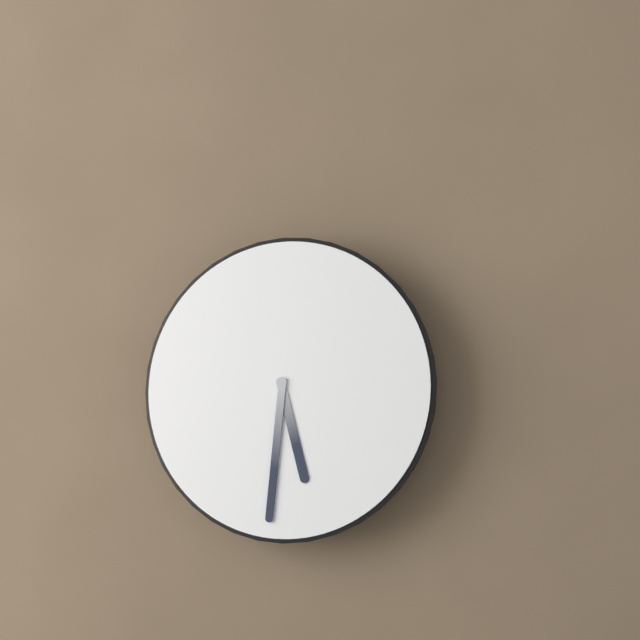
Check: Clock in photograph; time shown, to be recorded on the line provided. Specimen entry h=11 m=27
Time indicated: h=5 m=31
